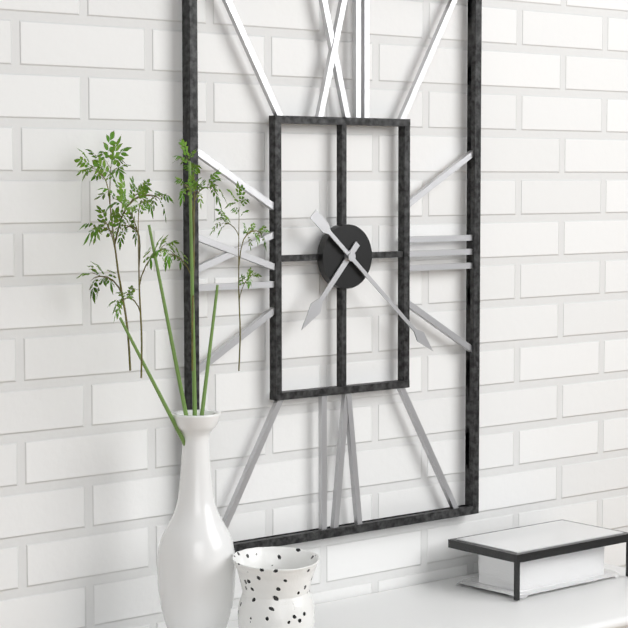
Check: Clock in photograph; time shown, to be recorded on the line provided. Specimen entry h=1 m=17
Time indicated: h=7 m=22
